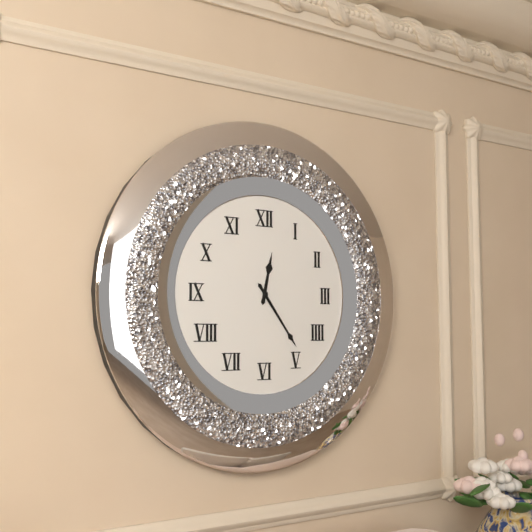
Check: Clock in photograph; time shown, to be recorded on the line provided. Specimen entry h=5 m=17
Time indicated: h=12 m=24
